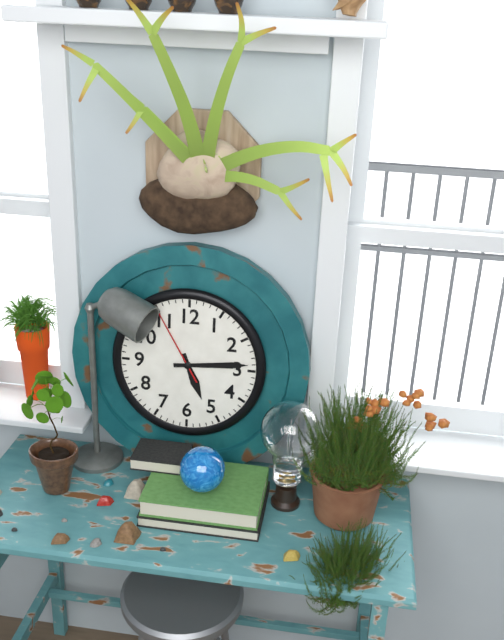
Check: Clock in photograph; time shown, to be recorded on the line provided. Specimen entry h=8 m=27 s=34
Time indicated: h=5 m=14 s=55
